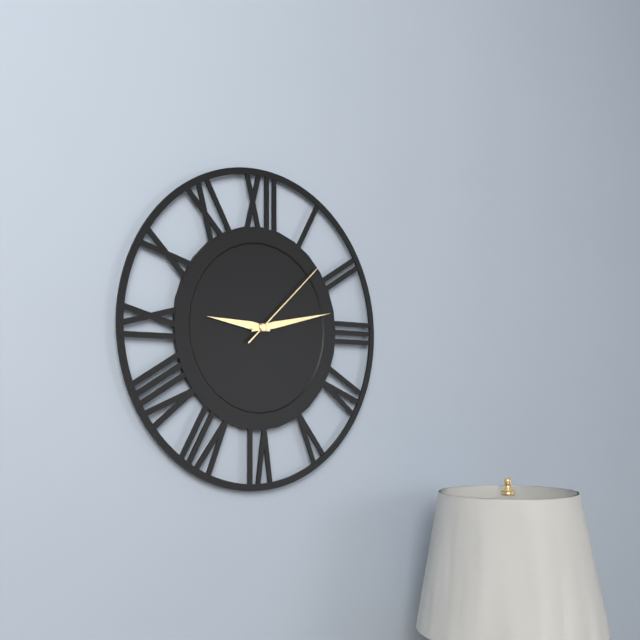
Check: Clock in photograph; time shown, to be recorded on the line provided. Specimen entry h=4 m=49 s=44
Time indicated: h=9 m=13 s=8
